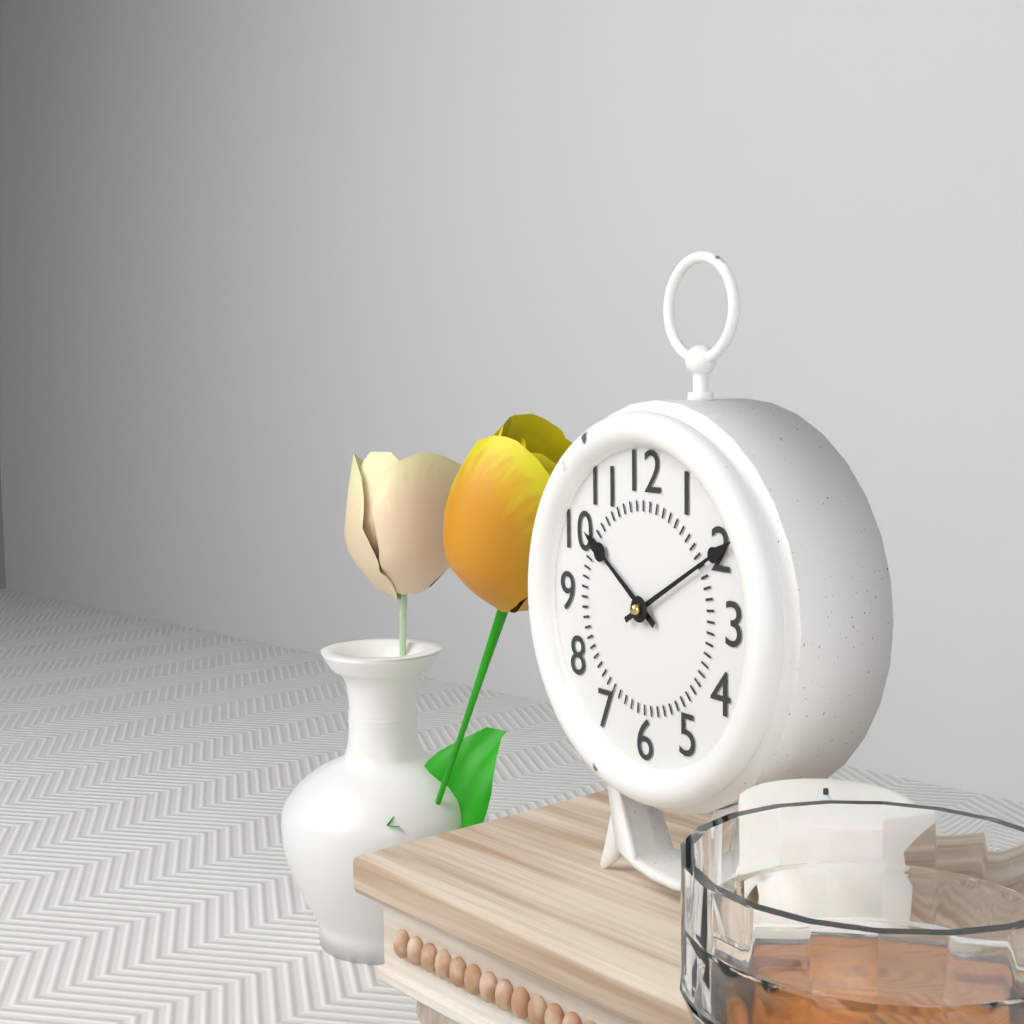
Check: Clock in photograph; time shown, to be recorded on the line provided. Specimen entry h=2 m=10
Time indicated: h=10 m=10
